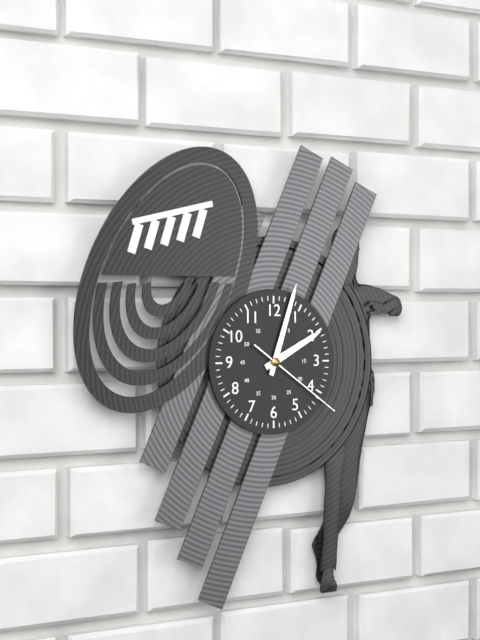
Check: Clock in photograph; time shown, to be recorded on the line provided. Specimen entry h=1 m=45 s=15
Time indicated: h=2 m=3 s=21
